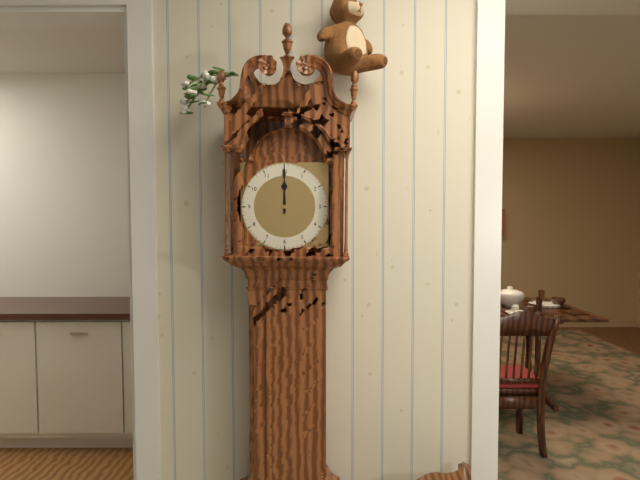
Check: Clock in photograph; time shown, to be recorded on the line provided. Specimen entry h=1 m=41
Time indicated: h=12 m=0
